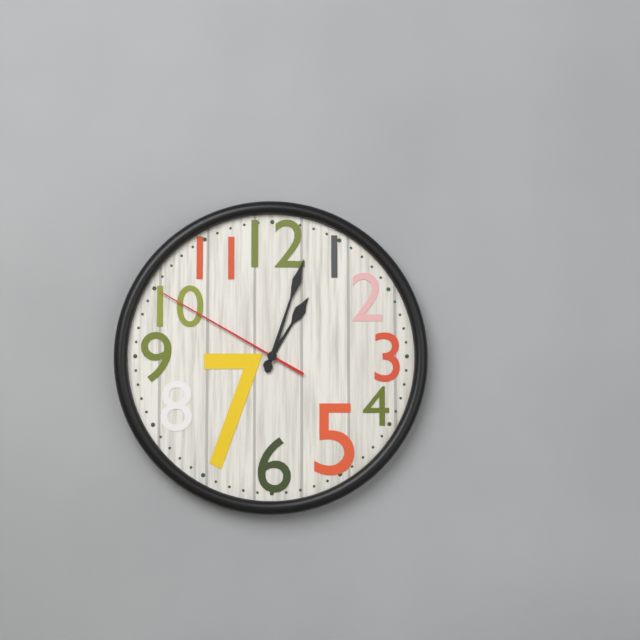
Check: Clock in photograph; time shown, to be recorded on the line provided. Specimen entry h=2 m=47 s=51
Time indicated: h=1 m=3 s=50
